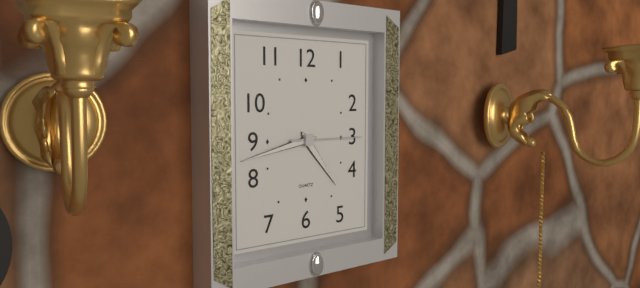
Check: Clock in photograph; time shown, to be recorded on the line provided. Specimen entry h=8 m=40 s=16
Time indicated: h=4 m=43 s=15
